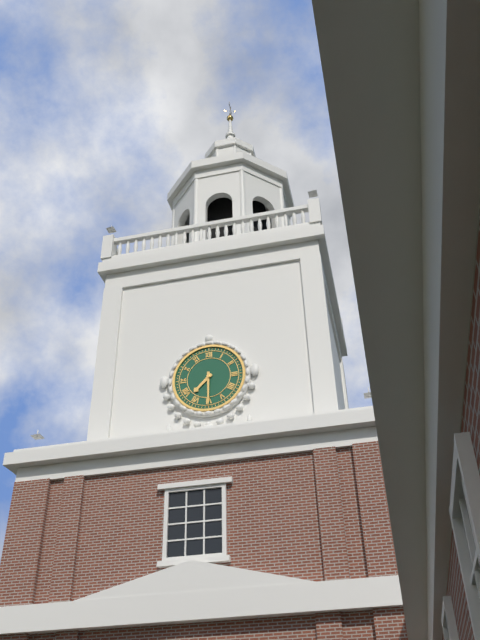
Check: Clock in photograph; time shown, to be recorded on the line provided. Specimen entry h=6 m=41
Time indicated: h=7 m=30
